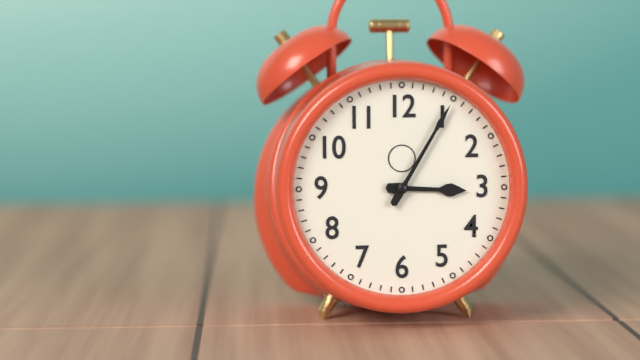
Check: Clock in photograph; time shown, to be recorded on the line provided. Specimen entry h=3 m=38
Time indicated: h=3 m=5
